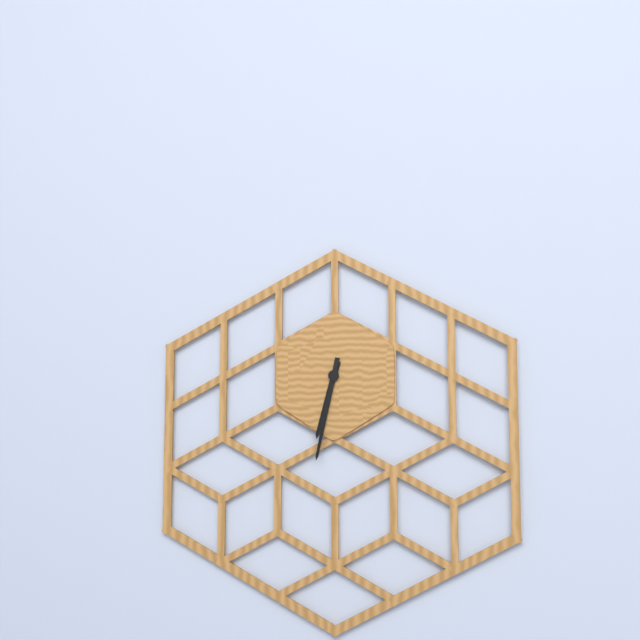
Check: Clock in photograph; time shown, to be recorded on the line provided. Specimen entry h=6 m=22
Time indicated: h=6 m=32
